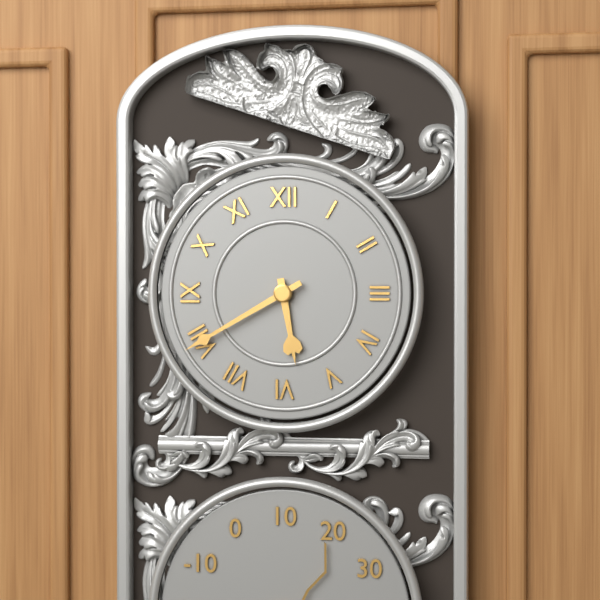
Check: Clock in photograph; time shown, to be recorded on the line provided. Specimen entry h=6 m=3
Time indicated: h=5 m=40
